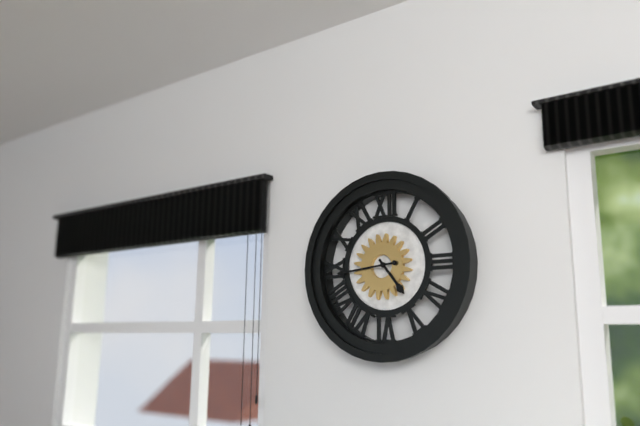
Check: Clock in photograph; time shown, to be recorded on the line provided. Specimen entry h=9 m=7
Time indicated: h=4 m=44
